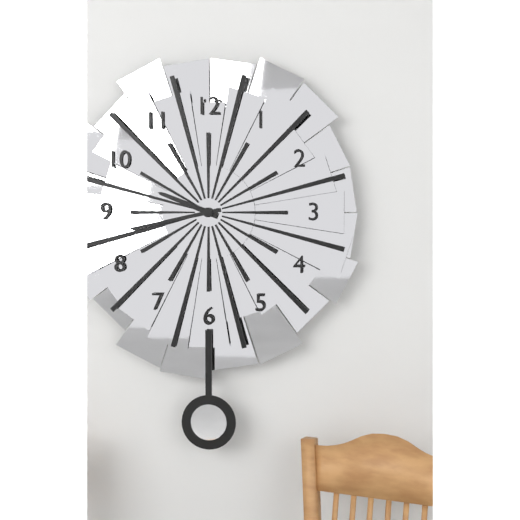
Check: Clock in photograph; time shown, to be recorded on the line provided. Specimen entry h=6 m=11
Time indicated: h=9 m=43
